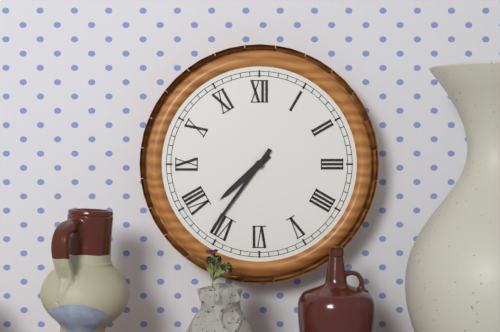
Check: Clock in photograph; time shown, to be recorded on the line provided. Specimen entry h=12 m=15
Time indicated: h=7 m=36
